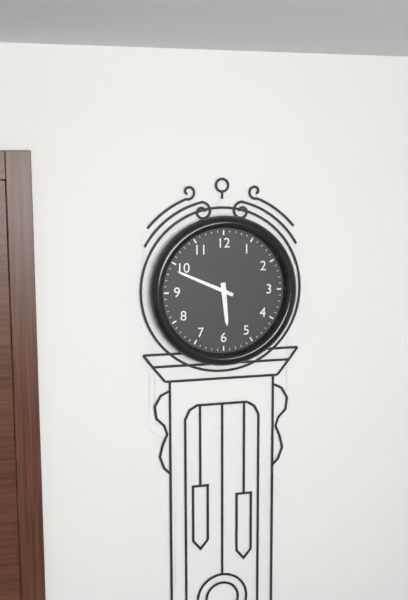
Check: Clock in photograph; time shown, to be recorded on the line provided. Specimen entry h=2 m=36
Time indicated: h=5 m=49
